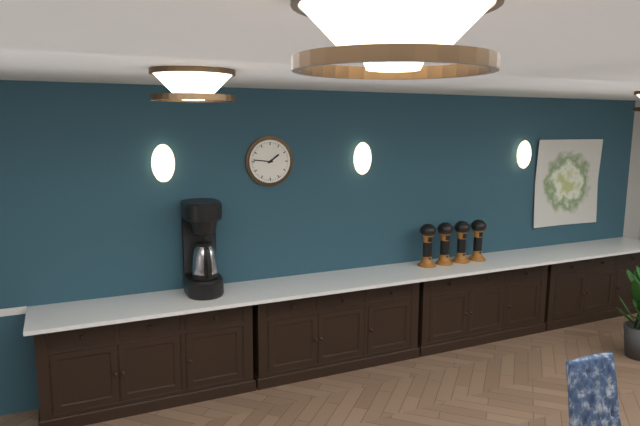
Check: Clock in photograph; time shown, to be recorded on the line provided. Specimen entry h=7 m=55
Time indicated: h=1 m=46
